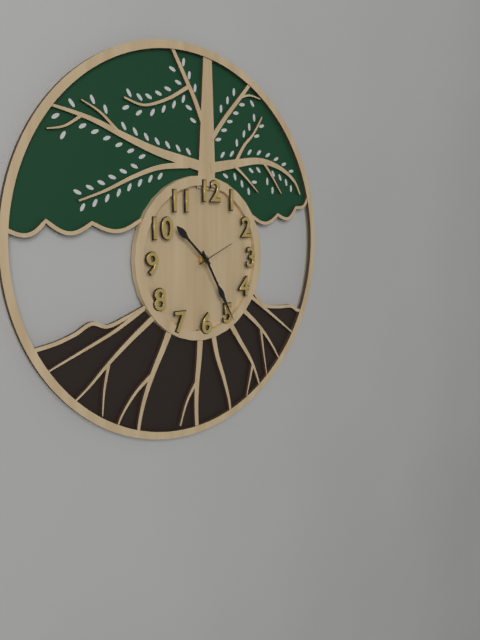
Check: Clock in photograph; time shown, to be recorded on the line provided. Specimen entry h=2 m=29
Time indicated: h=10 m=25
